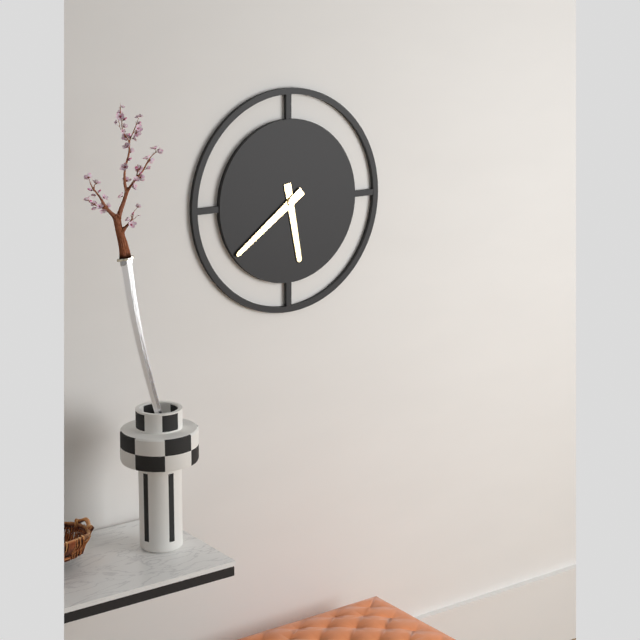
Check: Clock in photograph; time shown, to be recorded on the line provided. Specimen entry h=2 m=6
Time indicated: h=5 m=39
